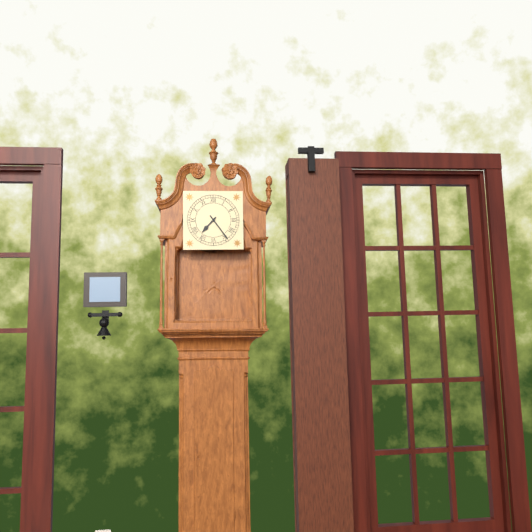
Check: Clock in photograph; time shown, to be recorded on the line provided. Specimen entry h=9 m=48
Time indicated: h=7 m=24
